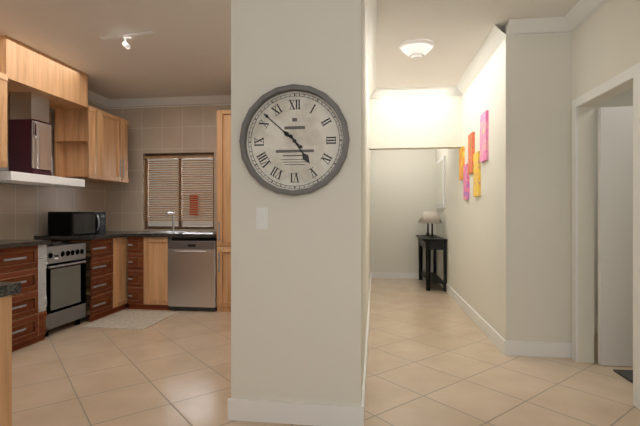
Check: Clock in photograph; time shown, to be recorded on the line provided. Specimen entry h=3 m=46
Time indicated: h=4 m=52
